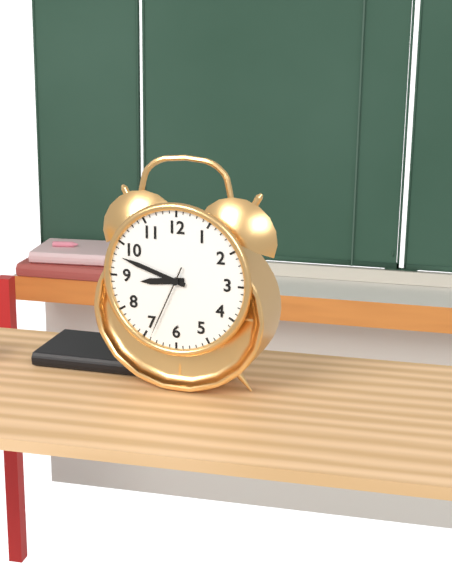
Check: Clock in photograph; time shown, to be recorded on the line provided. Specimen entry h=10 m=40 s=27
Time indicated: h=8 m=48 s=34
